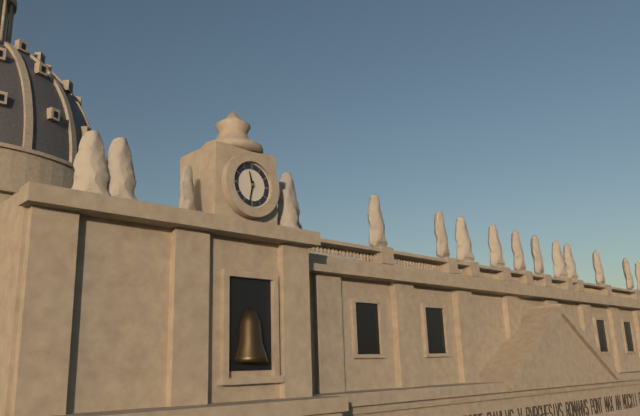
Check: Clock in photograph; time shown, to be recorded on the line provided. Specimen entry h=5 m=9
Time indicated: h=11 m=32
